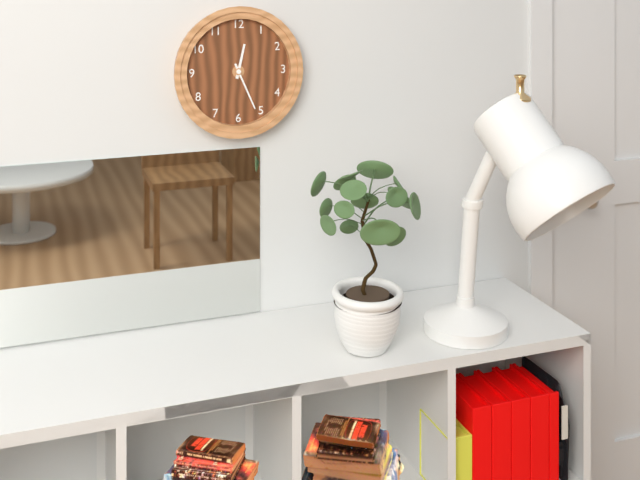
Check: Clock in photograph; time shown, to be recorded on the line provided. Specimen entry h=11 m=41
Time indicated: h=12 m=26
